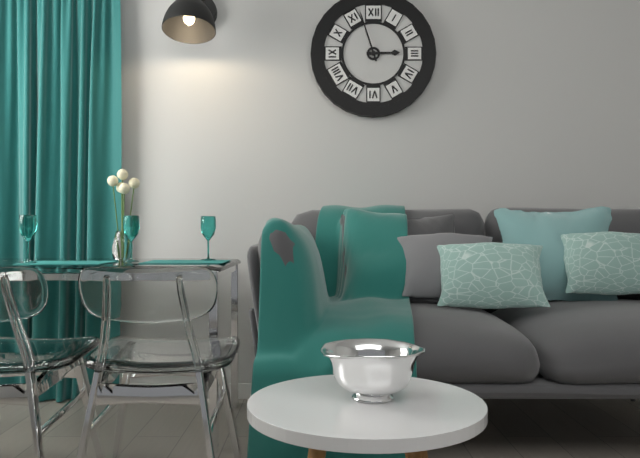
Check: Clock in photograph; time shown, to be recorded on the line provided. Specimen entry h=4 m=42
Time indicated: h=2 m=57
